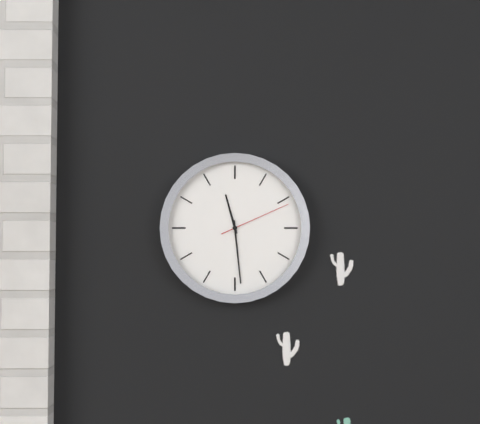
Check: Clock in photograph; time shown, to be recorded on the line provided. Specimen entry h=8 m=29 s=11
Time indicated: h=11 m=29 s=11
